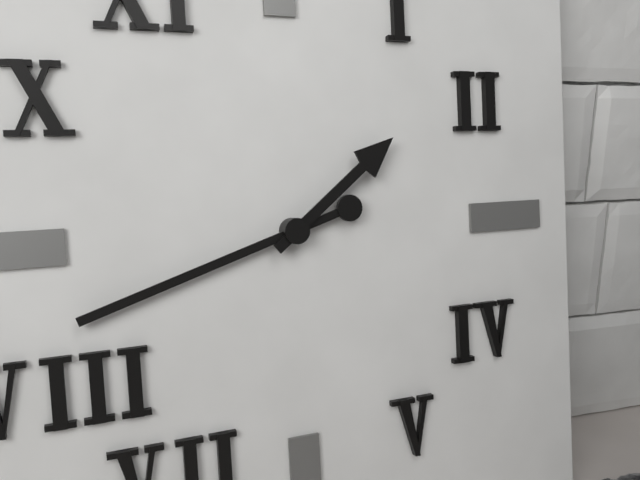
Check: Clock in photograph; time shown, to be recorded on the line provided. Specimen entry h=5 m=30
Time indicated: h=1 m=42
